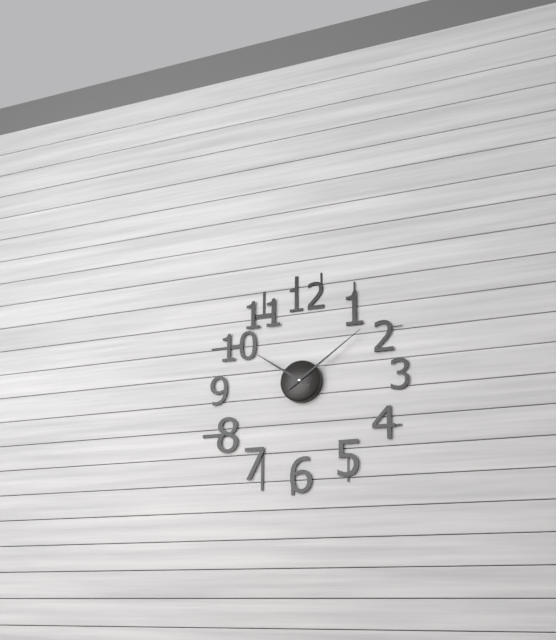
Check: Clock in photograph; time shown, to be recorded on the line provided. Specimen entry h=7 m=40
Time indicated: h=10 m=9
